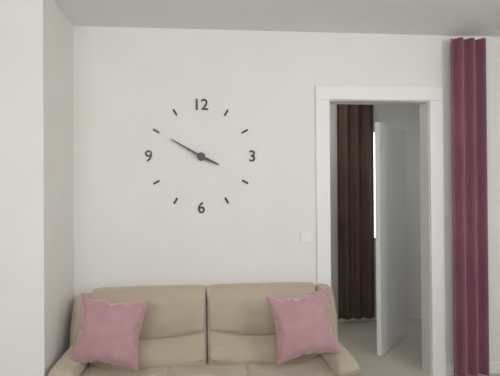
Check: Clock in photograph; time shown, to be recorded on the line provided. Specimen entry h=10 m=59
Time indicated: h=3 m=50
